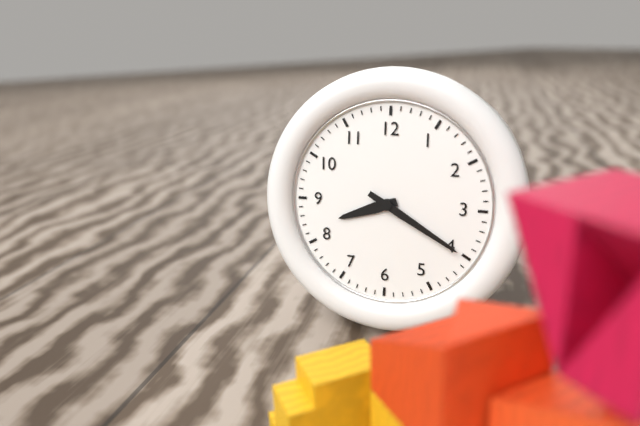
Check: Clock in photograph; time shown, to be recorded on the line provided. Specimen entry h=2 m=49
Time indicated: h=8 m=20
